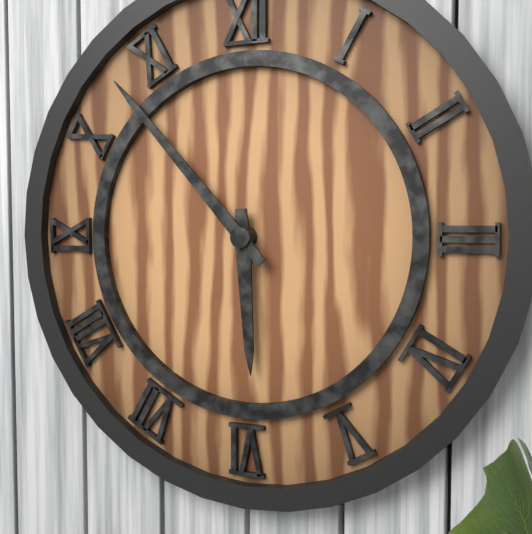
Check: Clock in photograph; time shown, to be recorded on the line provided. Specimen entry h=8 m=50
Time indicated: h=5 m=53
